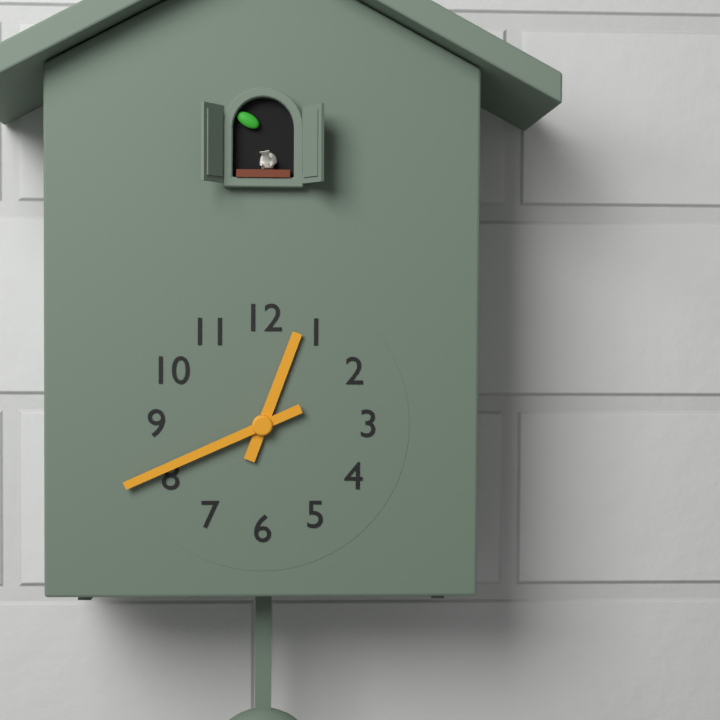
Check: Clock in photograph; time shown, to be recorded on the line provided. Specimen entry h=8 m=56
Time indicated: h=12 m=41
